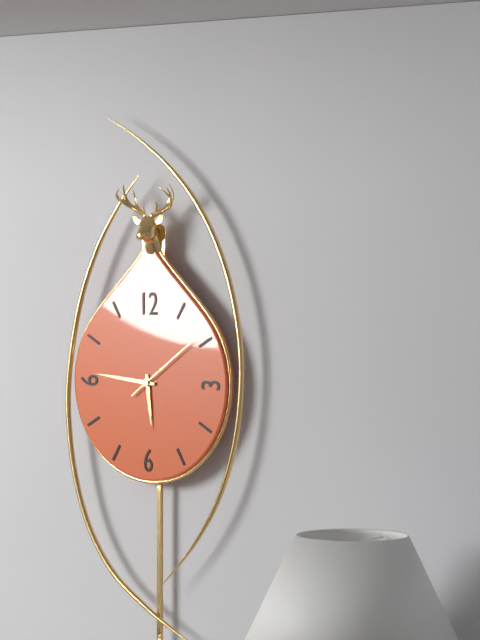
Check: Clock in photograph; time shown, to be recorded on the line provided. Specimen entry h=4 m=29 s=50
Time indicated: h=5 m=46 s=9
